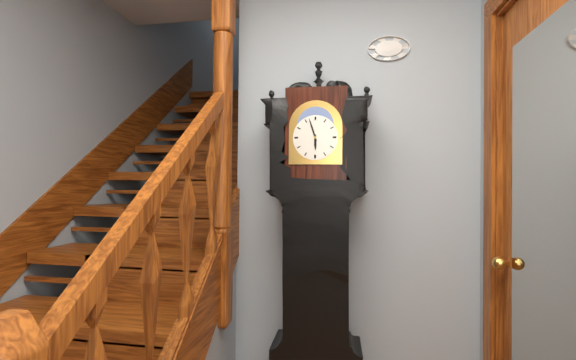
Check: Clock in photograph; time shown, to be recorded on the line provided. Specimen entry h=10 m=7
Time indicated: h=5 m=57
